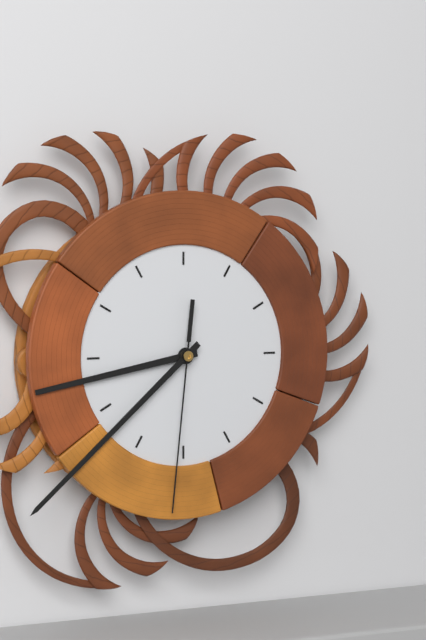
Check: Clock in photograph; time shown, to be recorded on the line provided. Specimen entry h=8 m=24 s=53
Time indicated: h=8 m=38 s=31
